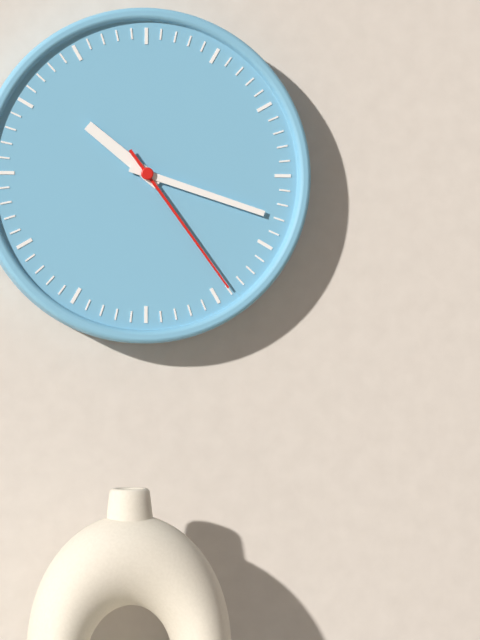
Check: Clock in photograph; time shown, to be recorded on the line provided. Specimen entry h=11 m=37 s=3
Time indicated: h=10 m=18 s=24
